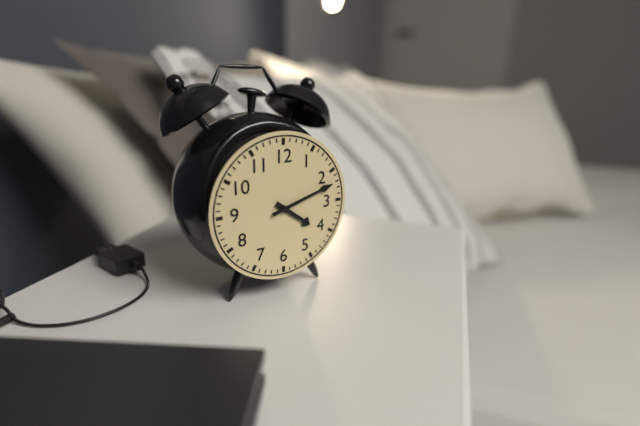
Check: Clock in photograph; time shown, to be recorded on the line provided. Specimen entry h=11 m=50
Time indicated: h=4 m=12
